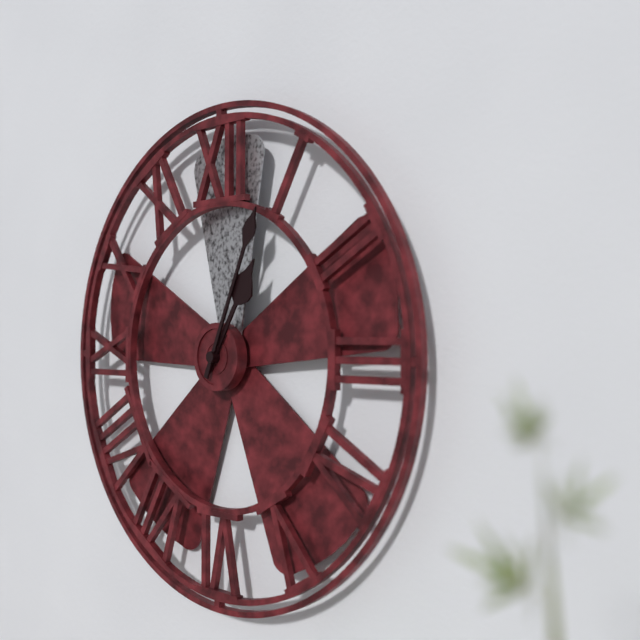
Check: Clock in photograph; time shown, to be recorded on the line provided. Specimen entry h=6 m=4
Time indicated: h=1 m=4
